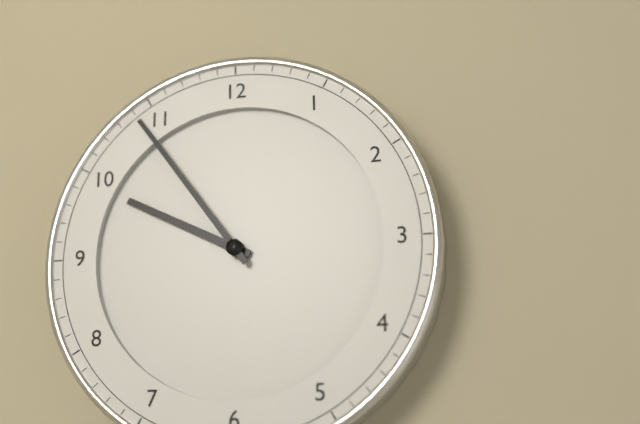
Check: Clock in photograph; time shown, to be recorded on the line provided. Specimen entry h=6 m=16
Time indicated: h=9 m=54
